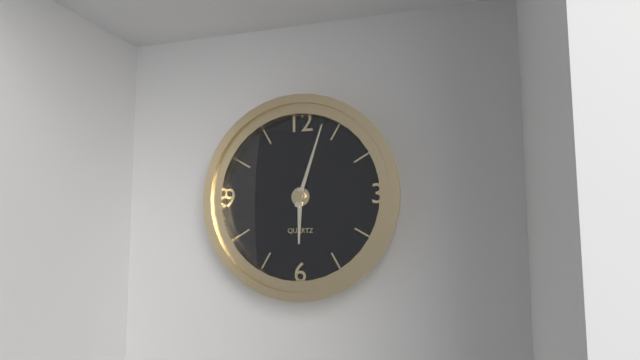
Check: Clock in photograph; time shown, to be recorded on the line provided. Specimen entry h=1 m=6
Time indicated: h=6 m=3
